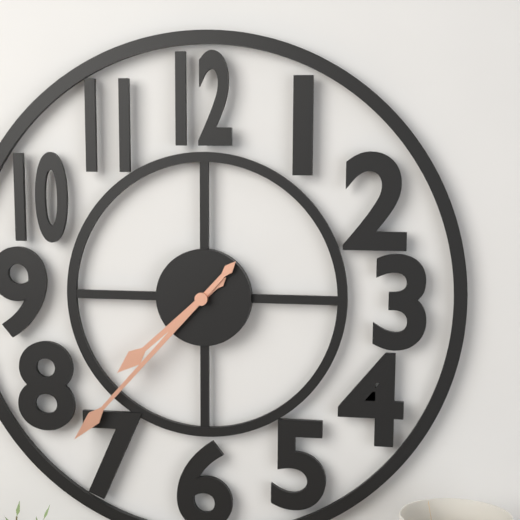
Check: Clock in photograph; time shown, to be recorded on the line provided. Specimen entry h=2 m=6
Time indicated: h=7 m=37
